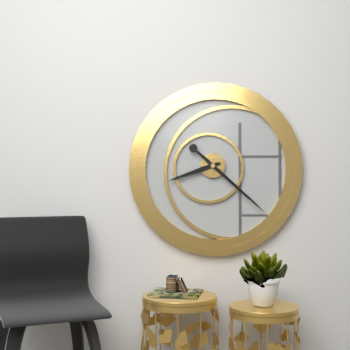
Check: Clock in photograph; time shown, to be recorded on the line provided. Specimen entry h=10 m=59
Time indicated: h=8 m=22
